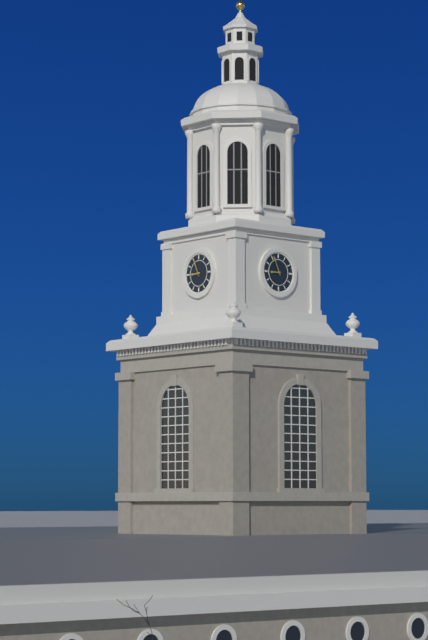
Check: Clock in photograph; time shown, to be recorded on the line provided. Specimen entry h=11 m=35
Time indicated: h=8 m=56
